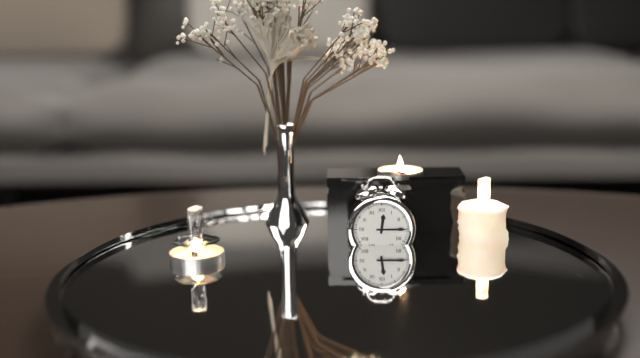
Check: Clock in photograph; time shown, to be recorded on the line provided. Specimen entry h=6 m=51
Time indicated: h=12 m=15
